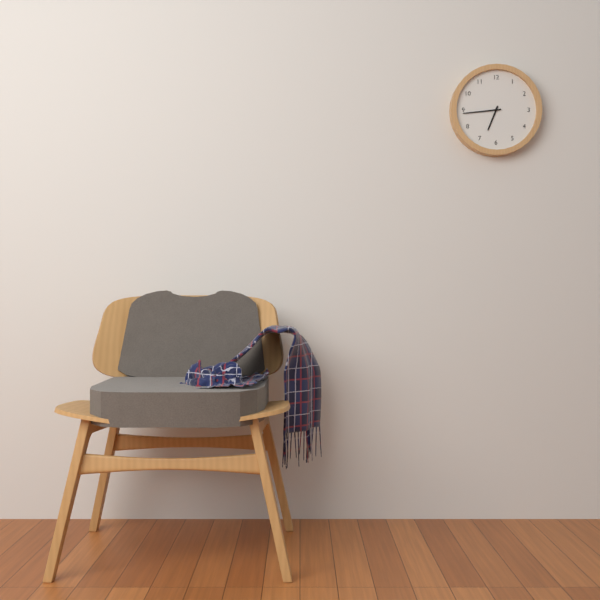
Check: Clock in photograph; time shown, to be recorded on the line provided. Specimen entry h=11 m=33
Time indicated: h=6 m=44
